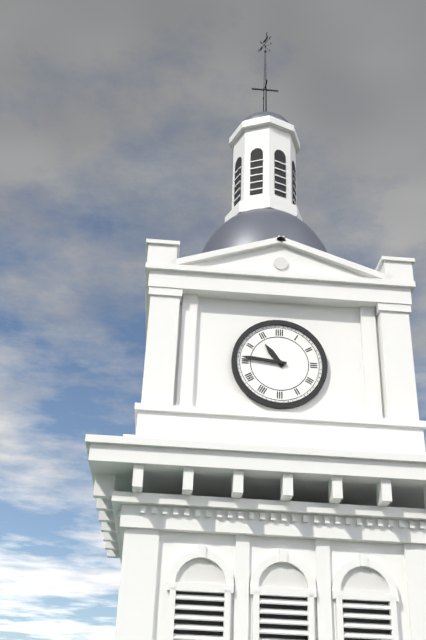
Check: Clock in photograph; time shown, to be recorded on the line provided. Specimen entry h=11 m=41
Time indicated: h=10 m=46
